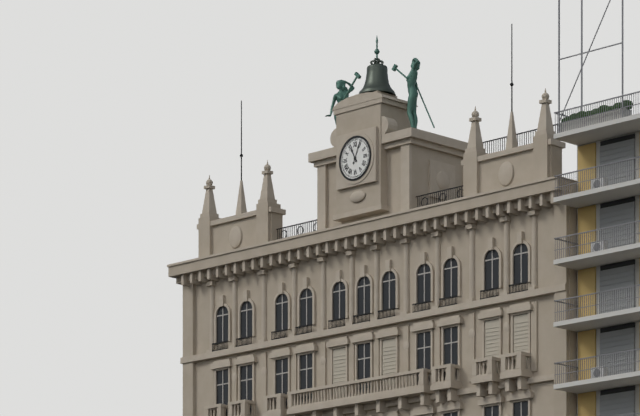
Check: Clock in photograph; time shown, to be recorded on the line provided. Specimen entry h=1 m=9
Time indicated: h=11 m=4
